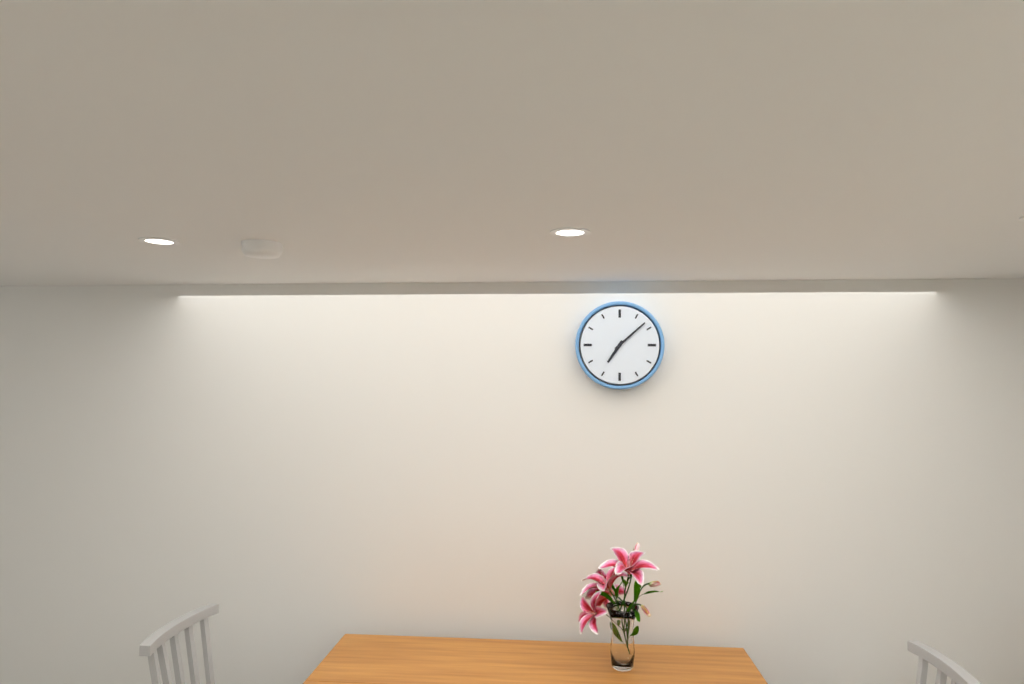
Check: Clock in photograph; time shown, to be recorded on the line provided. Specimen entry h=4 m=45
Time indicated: h=7 m=8
